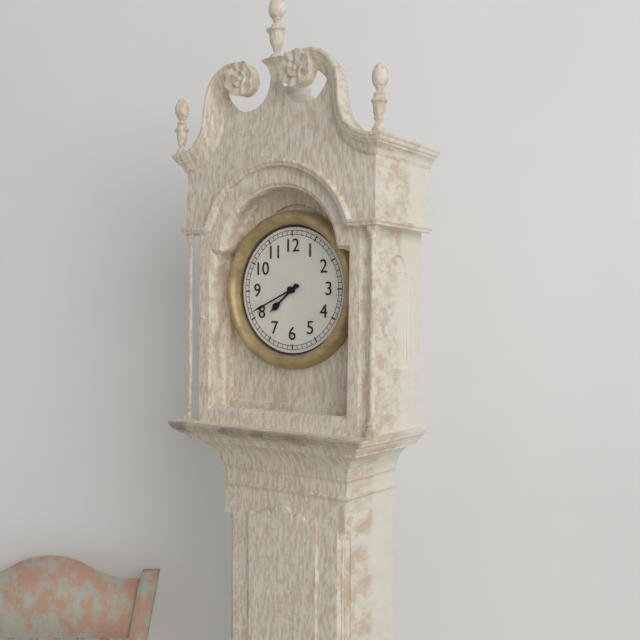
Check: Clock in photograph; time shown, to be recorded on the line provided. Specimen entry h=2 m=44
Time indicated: h=7 m=41
